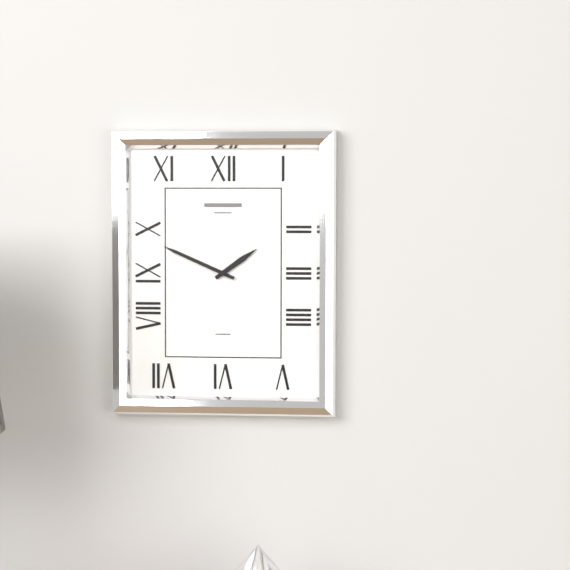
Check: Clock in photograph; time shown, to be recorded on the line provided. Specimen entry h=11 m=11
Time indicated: h=1 m=49
